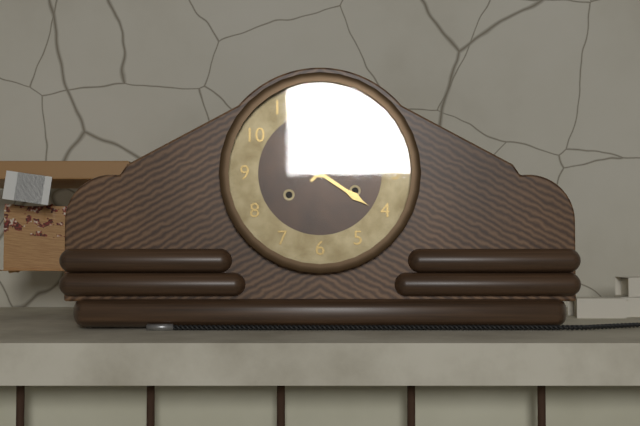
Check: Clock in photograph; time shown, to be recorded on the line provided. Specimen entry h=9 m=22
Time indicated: h=4 m=8
